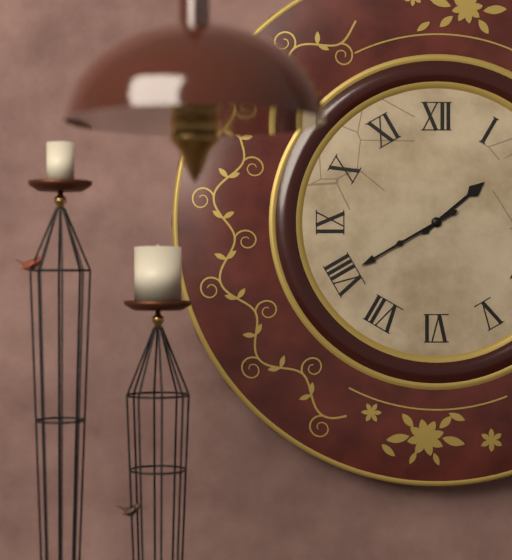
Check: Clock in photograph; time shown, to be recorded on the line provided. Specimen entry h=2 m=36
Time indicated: h=1 m=40
